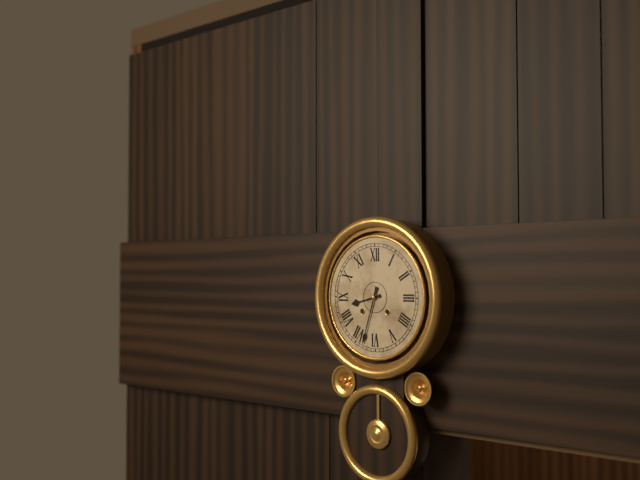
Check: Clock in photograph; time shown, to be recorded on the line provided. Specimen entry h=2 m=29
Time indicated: h=8 m=33
